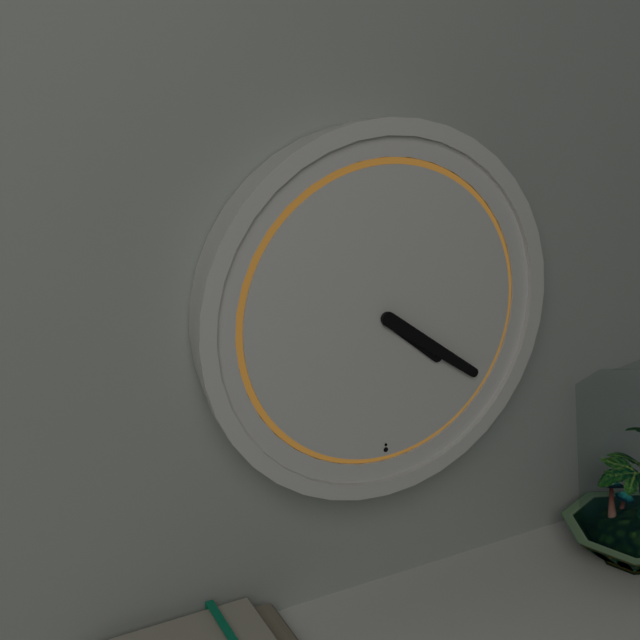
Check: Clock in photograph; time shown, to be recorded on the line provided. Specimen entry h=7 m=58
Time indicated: h=4 m=21
